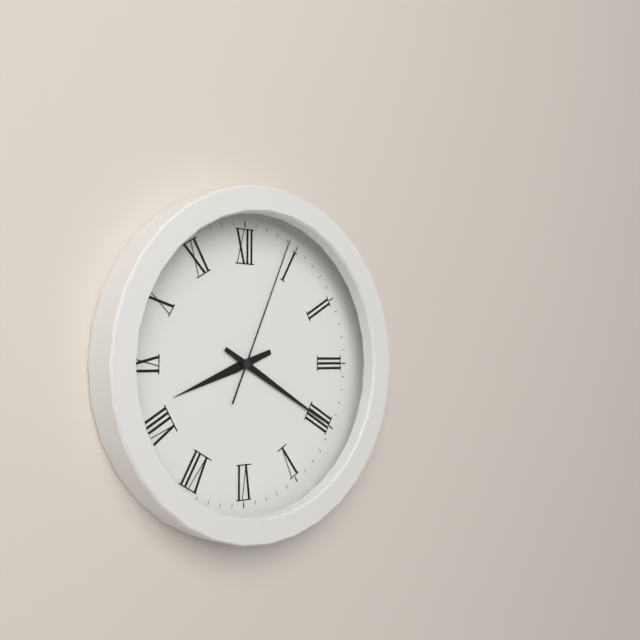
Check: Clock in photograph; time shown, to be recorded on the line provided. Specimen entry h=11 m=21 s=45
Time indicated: h=8 m=20 s=4
